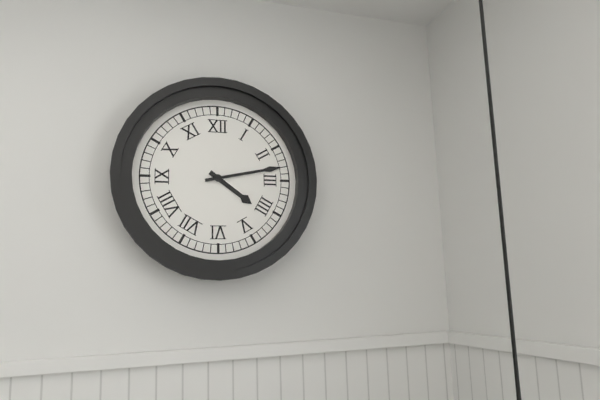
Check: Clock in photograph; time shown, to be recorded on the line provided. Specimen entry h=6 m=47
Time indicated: h=4 m=13
